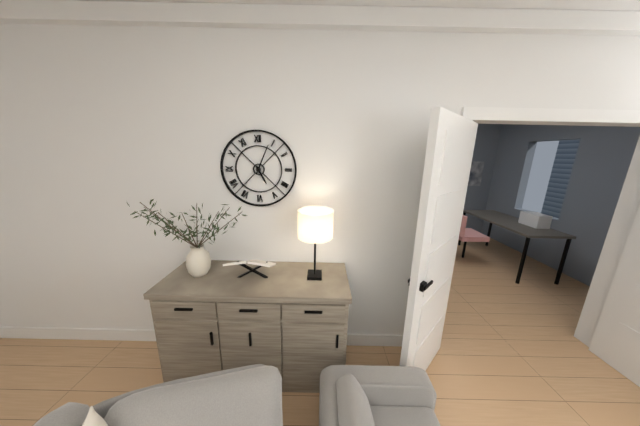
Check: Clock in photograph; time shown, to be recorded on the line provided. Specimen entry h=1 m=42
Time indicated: h=5 m=4
